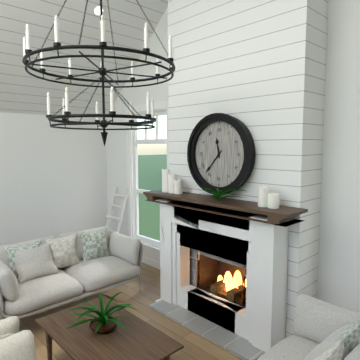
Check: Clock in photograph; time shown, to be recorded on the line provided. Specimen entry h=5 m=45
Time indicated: h=11 m=37
